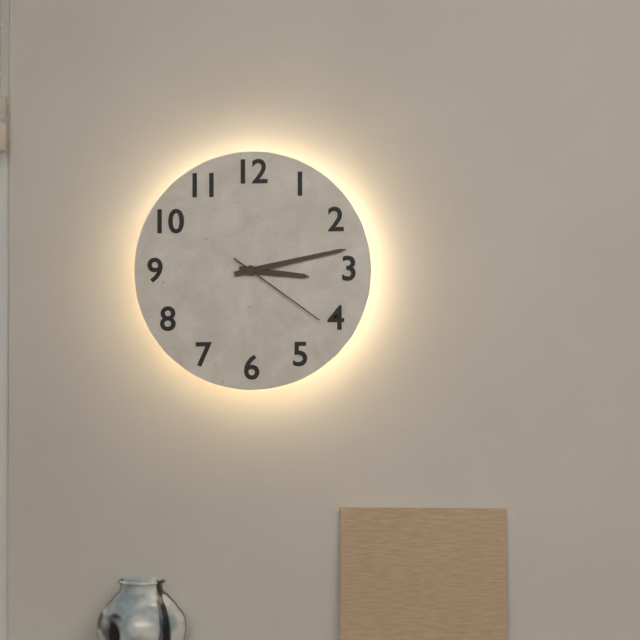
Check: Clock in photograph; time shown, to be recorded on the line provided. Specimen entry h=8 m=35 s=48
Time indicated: h=3 m=13 s=21
